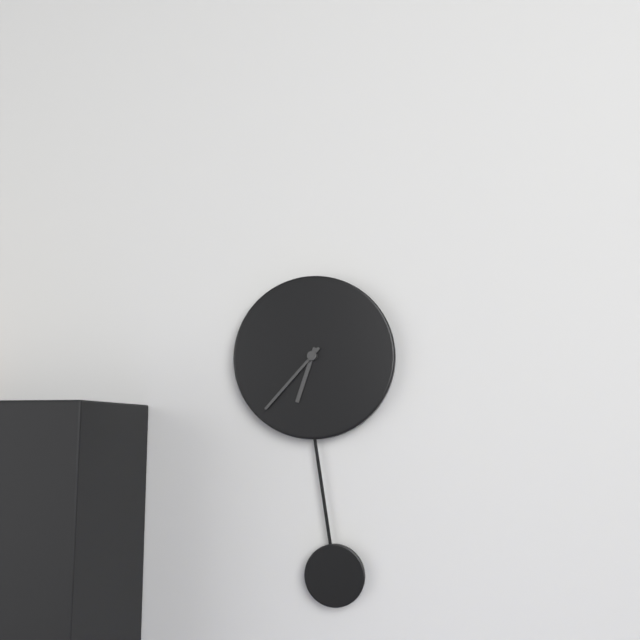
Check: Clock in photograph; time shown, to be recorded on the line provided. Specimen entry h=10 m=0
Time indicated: h=6 m=37
